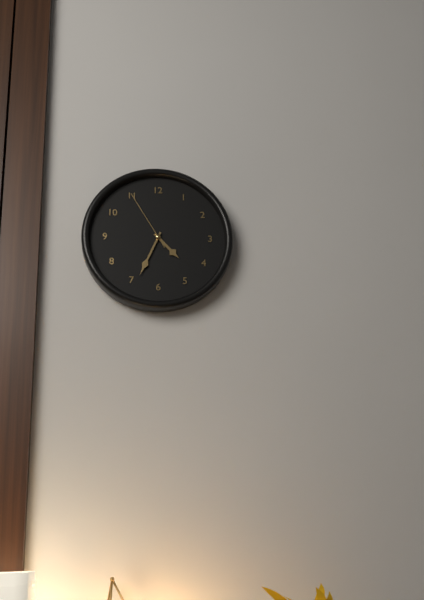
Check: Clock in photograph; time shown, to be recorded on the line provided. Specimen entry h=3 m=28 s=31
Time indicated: h=4 m=34 s=55
